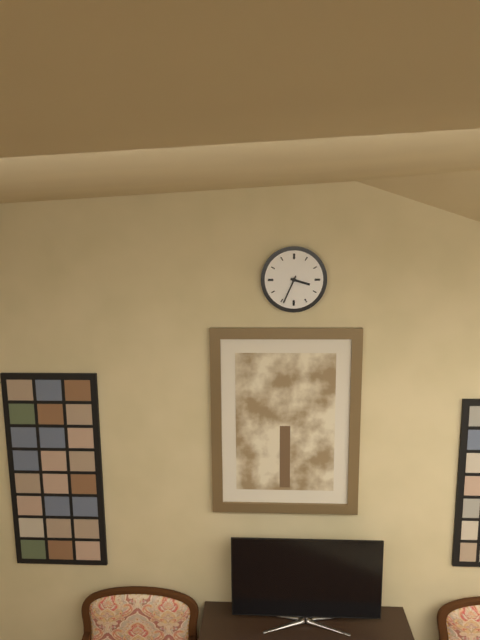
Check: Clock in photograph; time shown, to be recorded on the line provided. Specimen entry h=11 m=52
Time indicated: h=3 m=34
